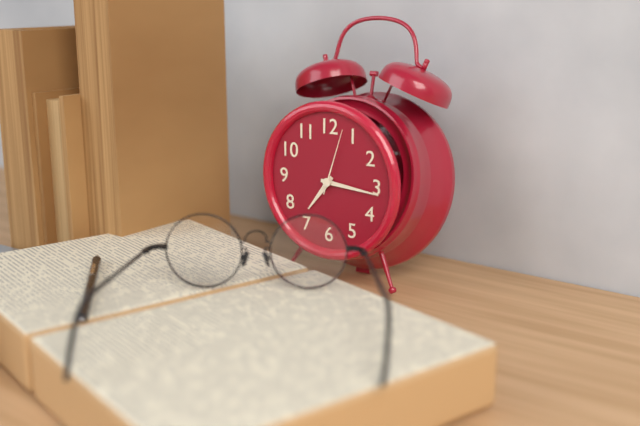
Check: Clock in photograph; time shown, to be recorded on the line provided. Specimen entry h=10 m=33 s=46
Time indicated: h=7 m=16 s=3
